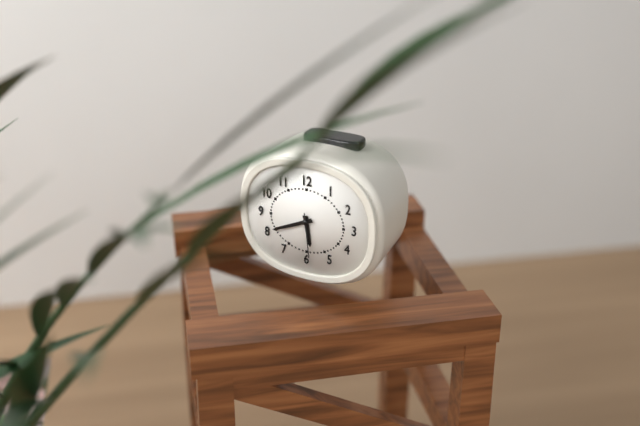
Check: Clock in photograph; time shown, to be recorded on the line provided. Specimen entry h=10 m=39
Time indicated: h=5 m=41
